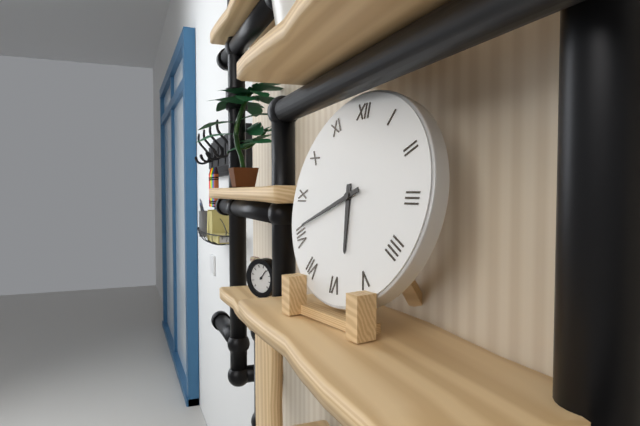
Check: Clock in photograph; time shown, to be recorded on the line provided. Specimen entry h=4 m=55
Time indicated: h=5 m=41
